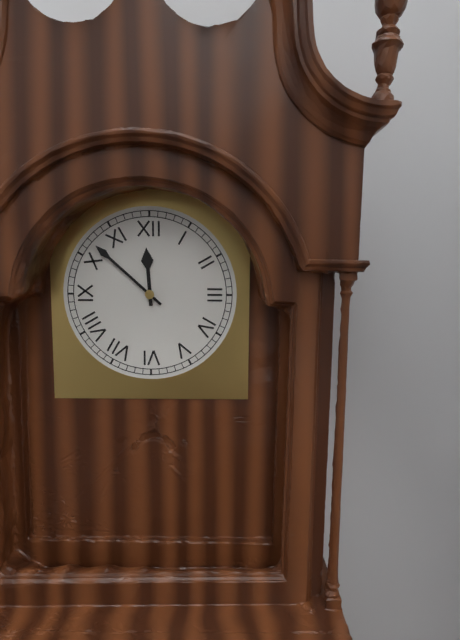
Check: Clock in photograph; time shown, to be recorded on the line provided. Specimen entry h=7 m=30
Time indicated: h=11 m=52
